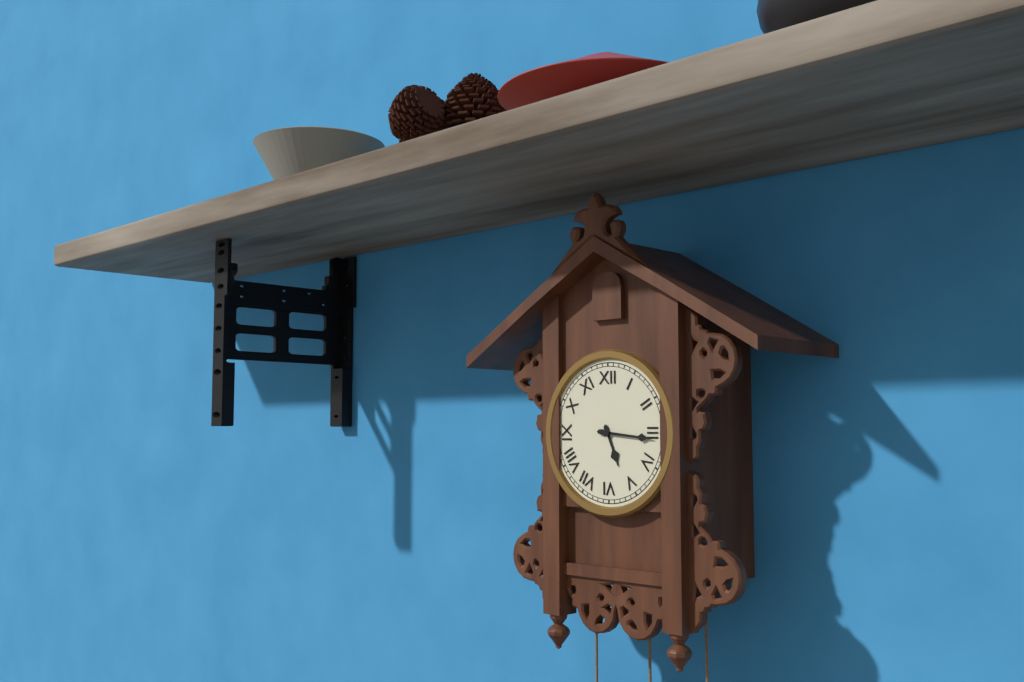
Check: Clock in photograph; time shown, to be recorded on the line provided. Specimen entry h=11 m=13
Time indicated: h=5 m=16
